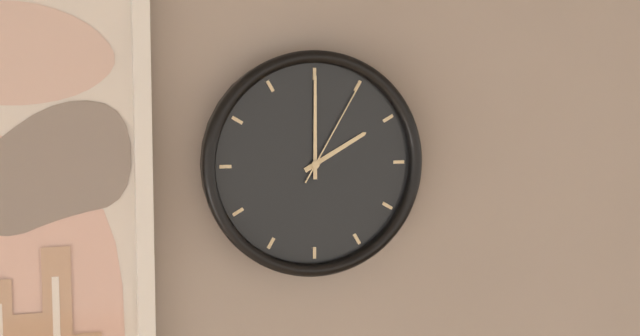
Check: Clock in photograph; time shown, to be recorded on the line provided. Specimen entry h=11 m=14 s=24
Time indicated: h=2 m=0 s=5
